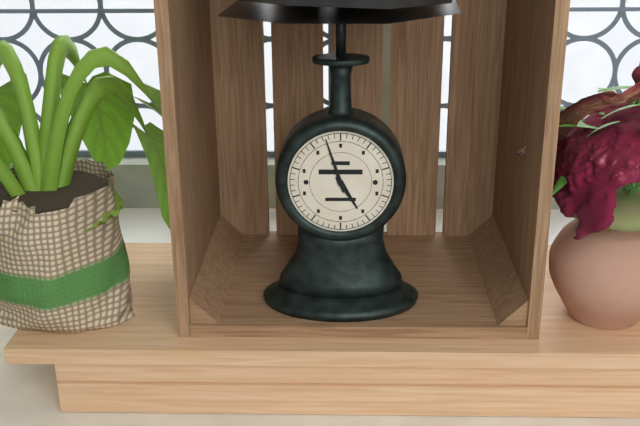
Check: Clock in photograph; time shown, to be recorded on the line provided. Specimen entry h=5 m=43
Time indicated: h=4 m=57
